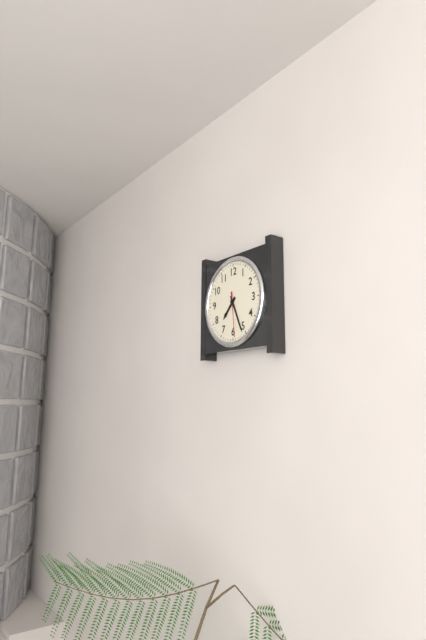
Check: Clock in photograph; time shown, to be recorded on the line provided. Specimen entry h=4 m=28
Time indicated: h=7 m=26
